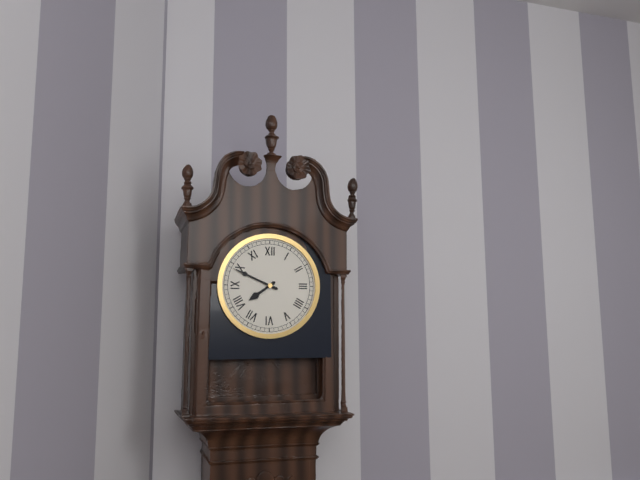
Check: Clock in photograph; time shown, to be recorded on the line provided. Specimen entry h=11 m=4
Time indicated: h=7 m=49
